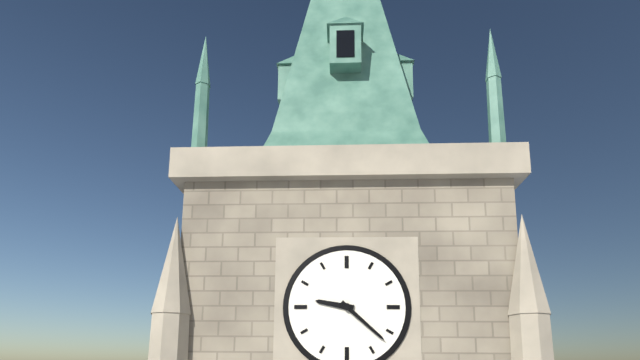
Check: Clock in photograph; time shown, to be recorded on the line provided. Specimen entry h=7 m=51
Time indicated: h=9 m=22
